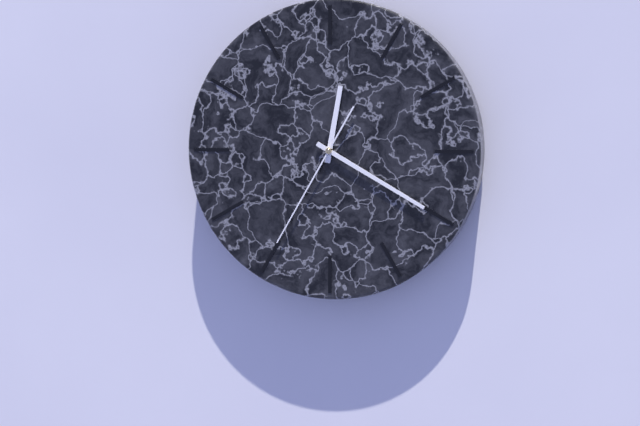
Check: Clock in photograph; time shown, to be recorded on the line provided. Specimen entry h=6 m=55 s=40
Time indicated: h=12 m=20 s=35
